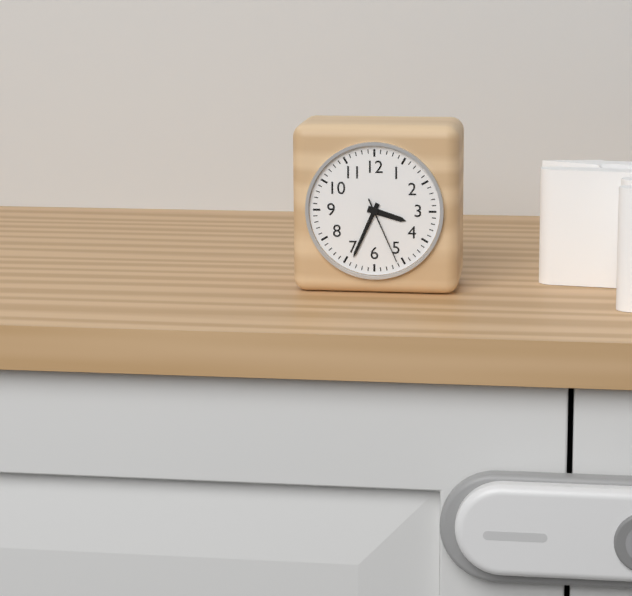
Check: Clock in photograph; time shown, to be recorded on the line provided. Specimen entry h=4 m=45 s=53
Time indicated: h=3 m=34 s=26
